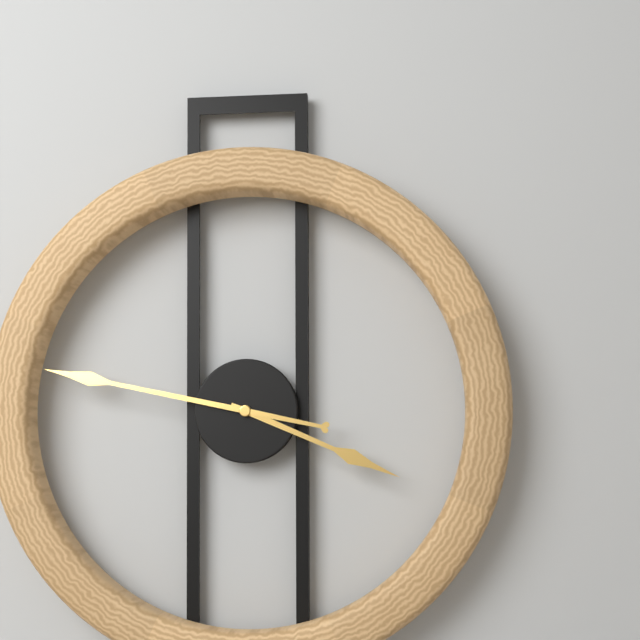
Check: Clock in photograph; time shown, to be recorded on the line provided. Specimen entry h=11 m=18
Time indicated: h=3 m=47
